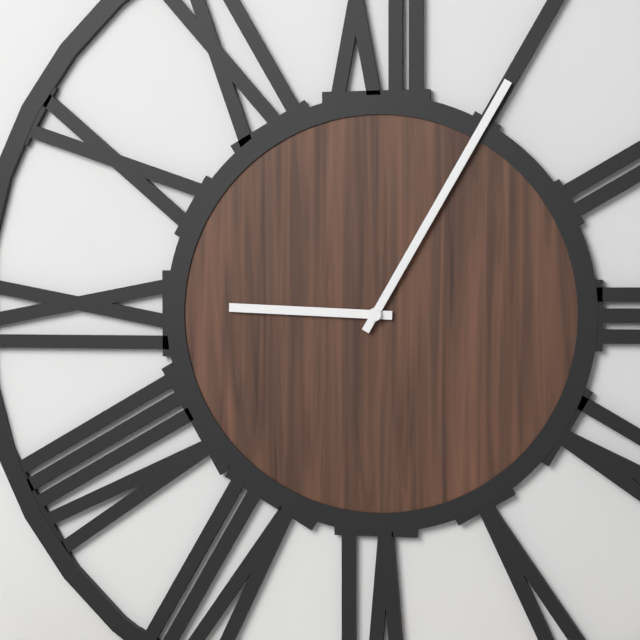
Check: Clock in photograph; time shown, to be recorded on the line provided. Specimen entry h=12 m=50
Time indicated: h=9 m=5
